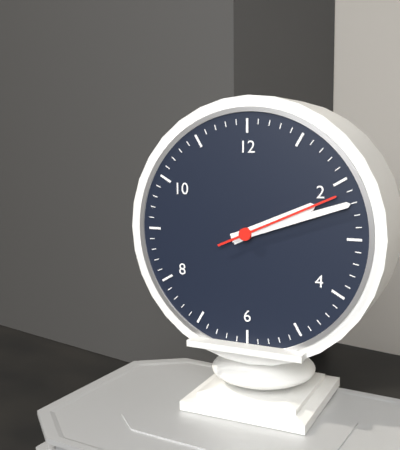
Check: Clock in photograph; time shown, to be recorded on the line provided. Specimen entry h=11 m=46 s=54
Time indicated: h=2 m=12 s=11
